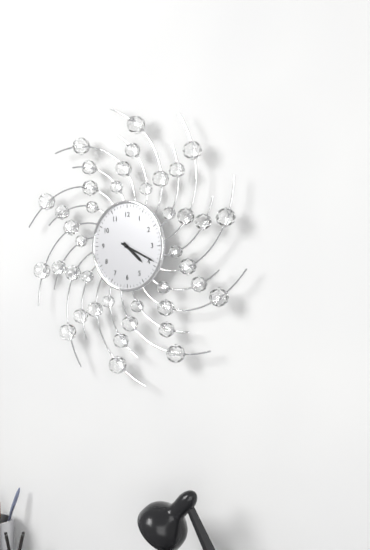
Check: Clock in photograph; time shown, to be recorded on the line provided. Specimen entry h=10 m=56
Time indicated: h=4 m=19
